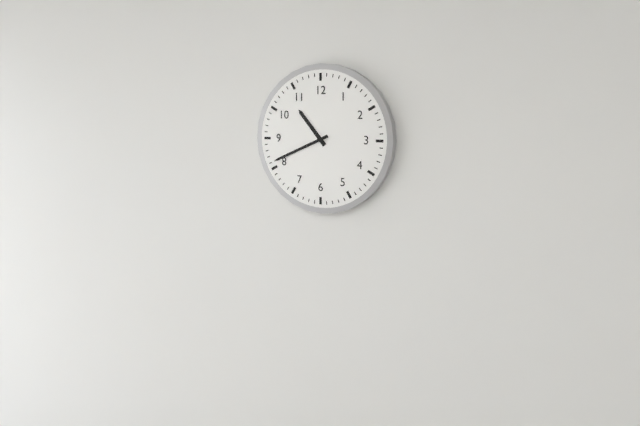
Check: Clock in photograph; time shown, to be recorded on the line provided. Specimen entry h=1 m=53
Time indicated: h=10 m=41
